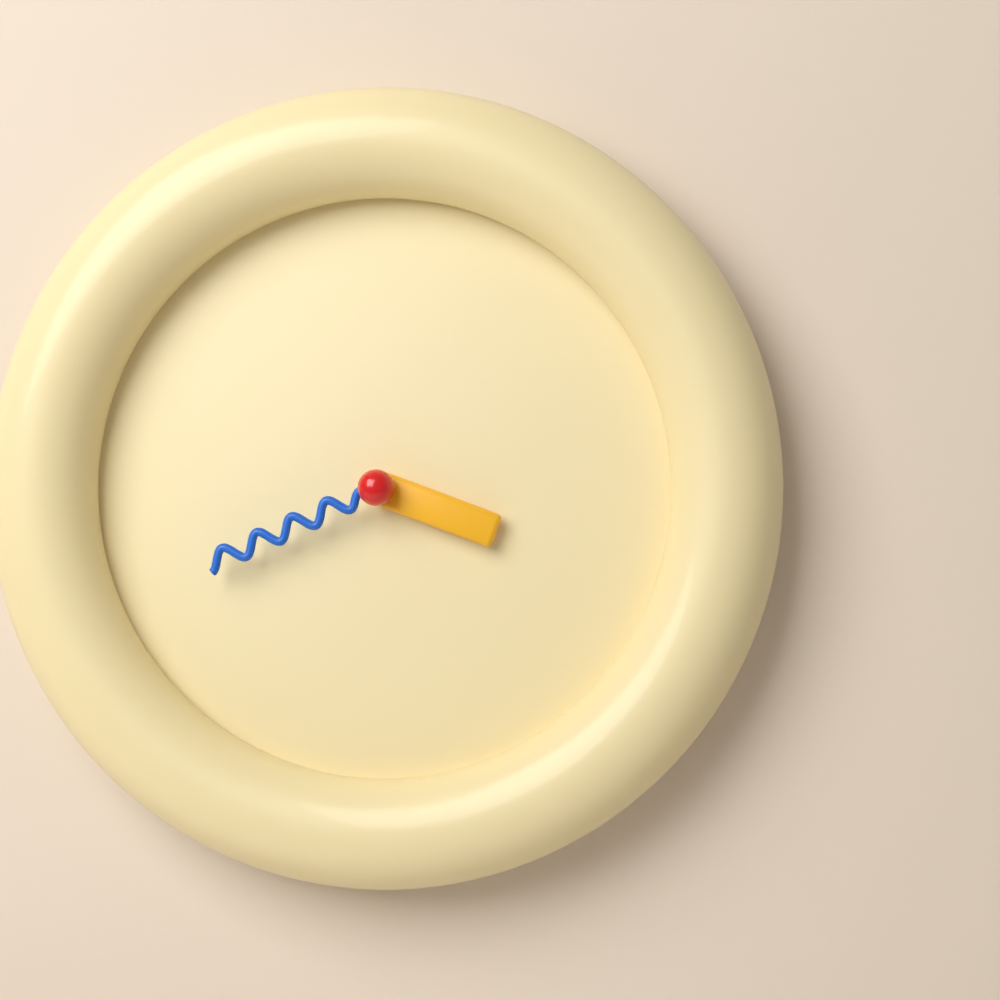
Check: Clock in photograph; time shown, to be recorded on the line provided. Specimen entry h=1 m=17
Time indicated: h=3 m=41
